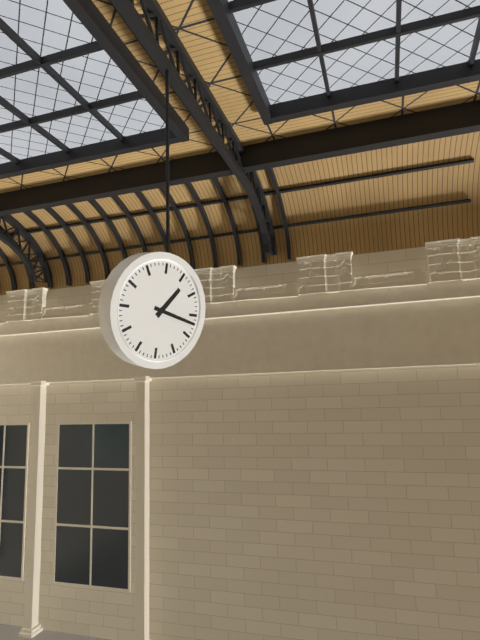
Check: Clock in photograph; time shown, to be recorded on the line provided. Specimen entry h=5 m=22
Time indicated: h=1 m=17
